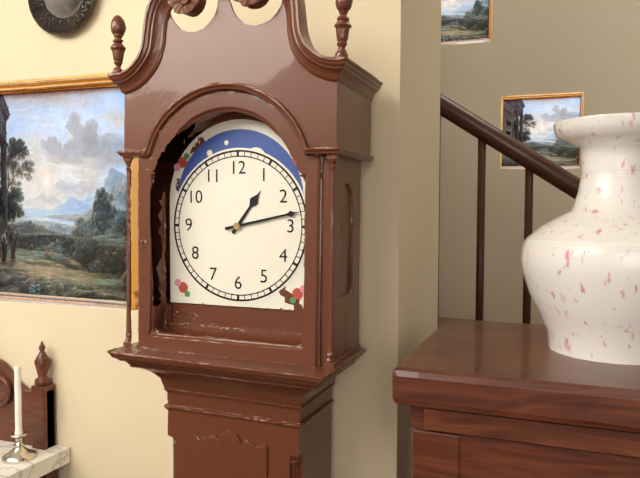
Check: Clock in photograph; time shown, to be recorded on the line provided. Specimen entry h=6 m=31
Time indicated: h=1 m=13
